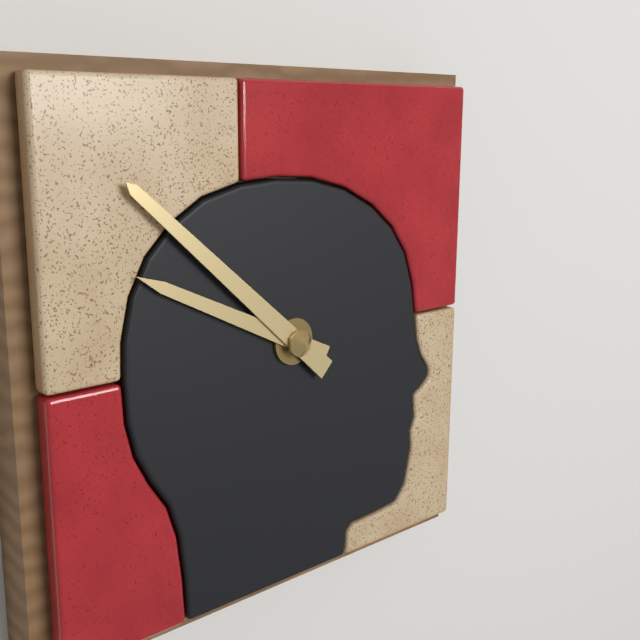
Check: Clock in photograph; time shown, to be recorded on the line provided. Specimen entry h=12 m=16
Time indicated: h=9 m=52
